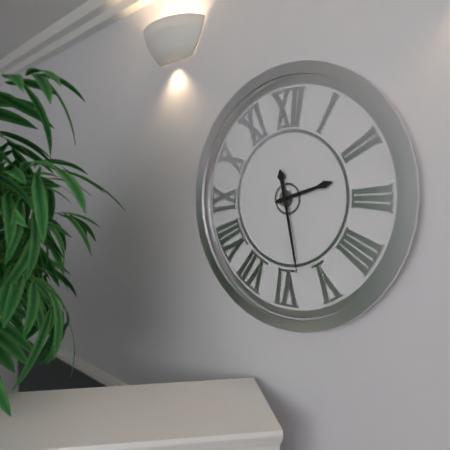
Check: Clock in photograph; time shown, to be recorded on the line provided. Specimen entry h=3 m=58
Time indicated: h=2 m=28
